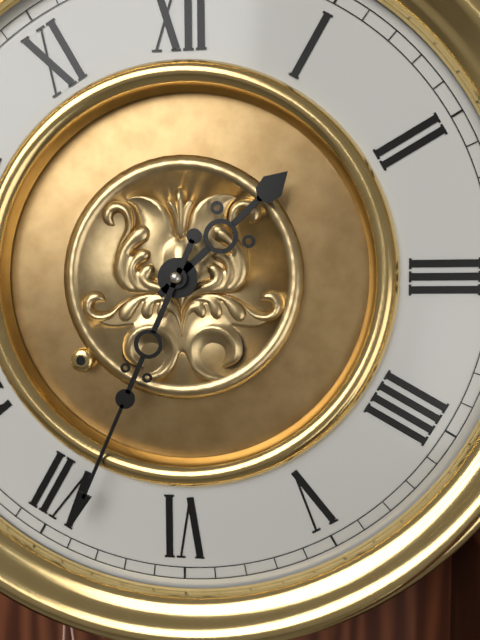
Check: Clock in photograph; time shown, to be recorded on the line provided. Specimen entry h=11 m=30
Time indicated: h=1 m=34
